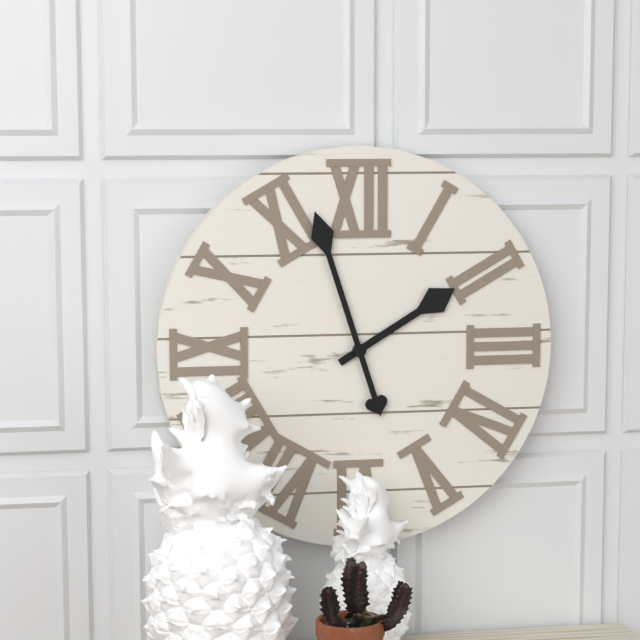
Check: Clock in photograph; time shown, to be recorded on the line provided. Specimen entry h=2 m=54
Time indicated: h=1 m=57
